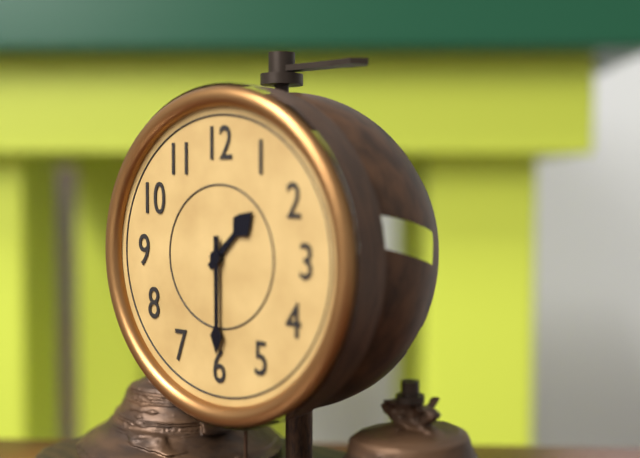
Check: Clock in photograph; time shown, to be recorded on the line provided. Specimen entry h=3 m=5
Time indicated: h=1 m=30
